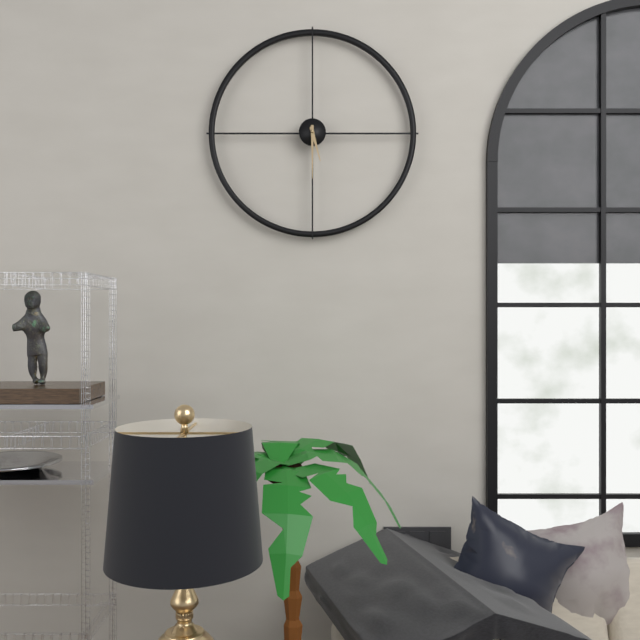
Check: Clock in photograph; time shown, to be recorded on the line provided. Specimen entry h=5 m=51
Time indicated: h=5 m=30
